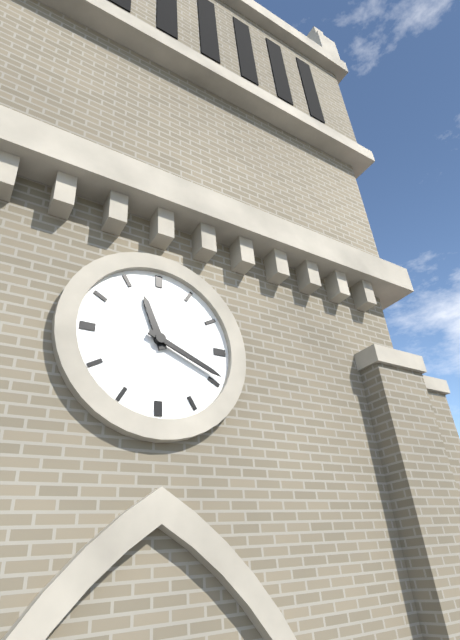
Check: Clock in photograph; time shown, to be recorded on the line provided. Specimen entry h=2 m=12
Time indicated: h=11 m=19
